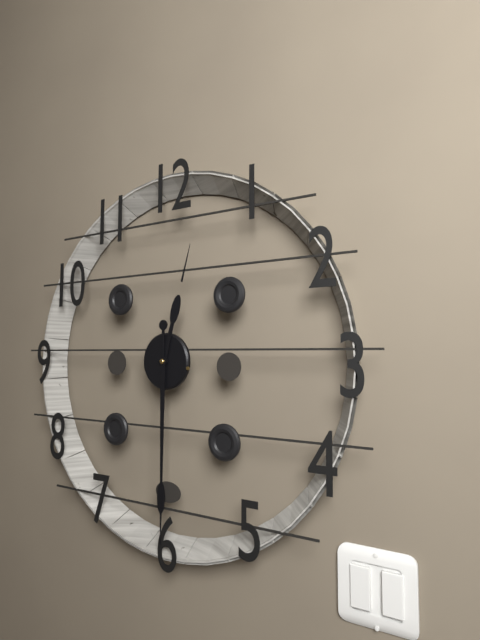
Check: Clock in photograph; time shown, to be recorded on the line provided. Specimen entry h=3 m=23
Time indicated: h=12 m=30
